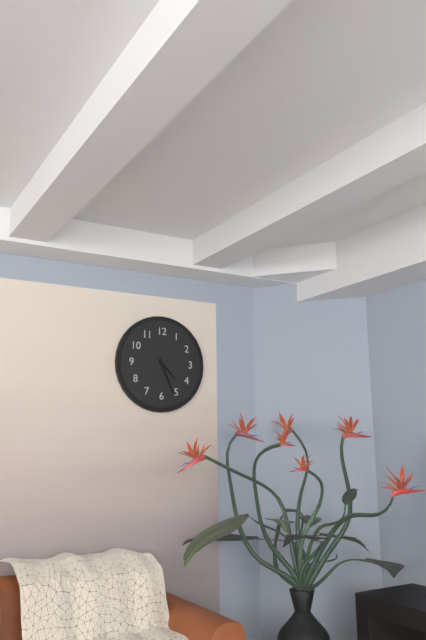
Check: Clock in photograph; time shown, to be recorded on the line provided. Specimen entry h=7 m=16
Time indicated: h=4 m=26
